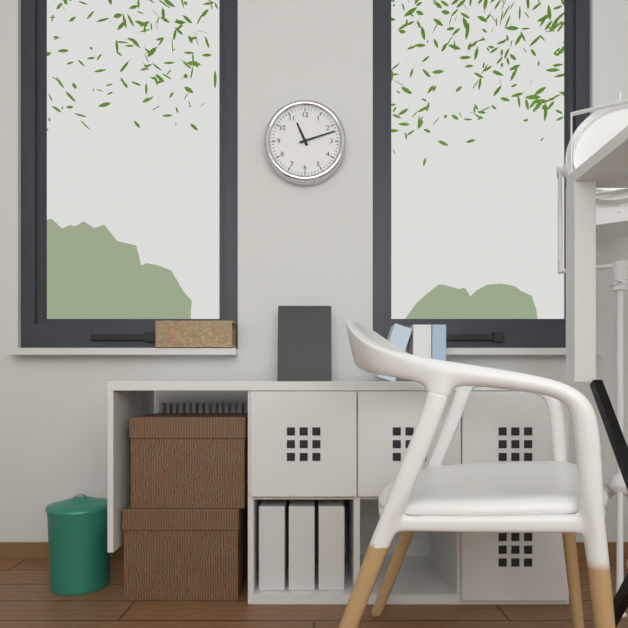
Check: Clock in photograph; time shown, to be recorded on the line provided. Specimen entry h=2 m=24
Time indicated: h=11 m=12
